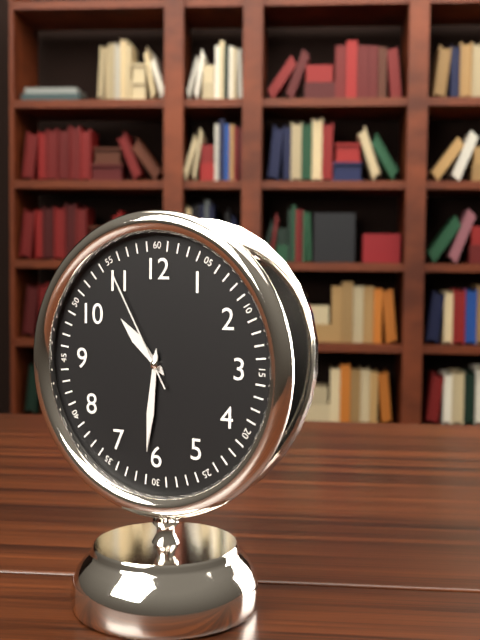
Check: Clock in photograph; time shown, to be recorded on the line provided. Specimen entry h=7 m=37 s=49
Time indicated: h=10 m=31 s=55
